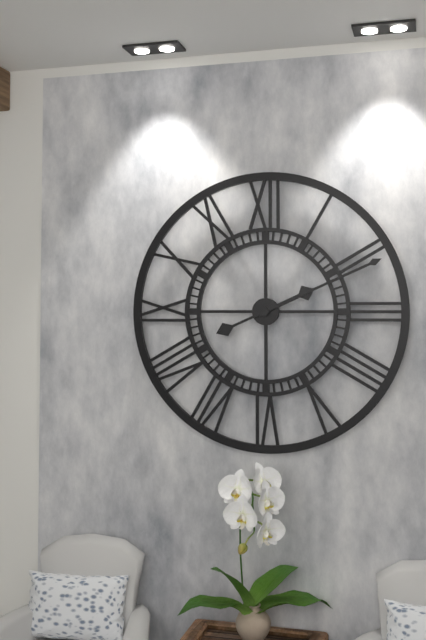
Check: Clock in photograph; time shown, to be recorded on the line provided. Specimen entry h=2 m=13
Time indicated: h=2 m=11
